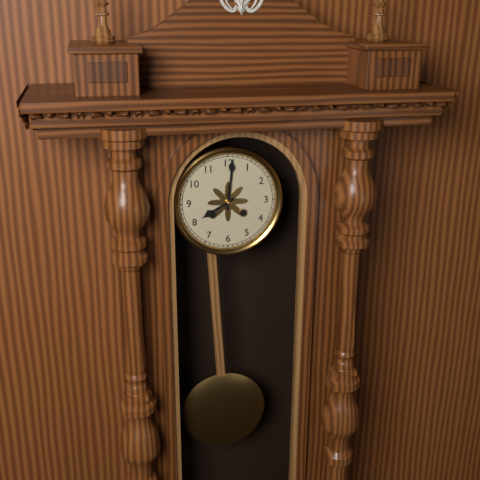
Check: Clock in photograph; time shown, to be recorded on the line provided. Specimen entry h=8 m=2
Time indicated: h=8 m=1
